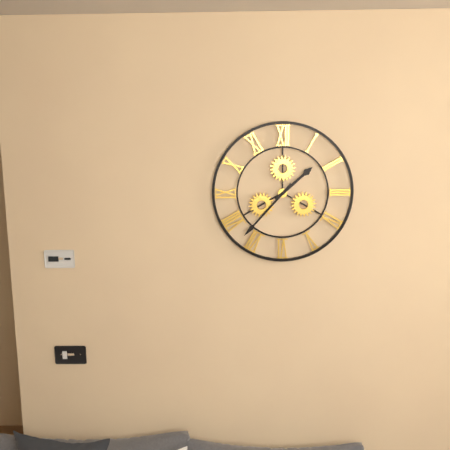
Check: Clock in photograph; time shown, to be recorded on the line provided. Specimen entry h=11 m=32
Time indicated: h=1 m=37
